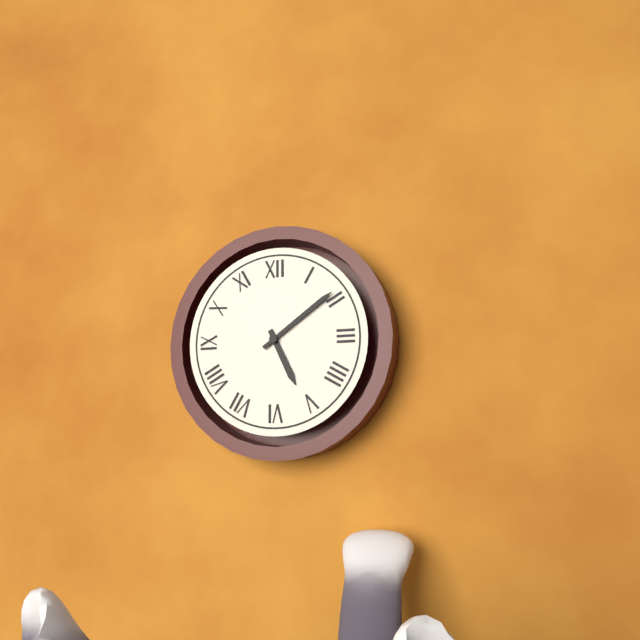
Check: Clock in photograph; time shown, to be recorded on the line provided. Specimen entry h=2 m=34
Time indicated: h=5 m=9
